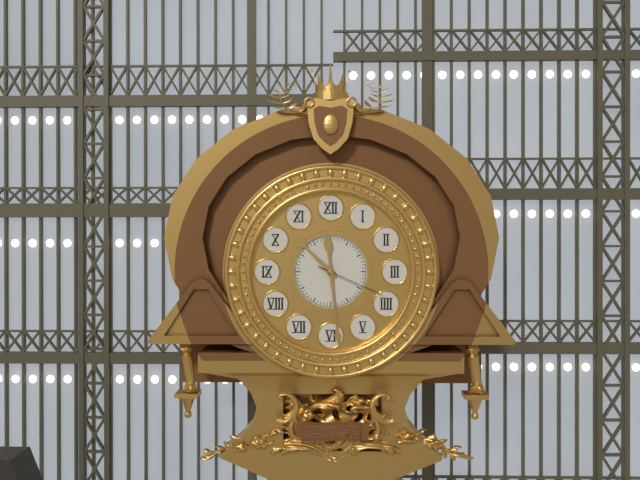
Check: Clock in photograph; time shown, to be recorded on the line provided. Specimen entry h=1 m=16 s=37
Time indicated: h=10 m=29 s=19
